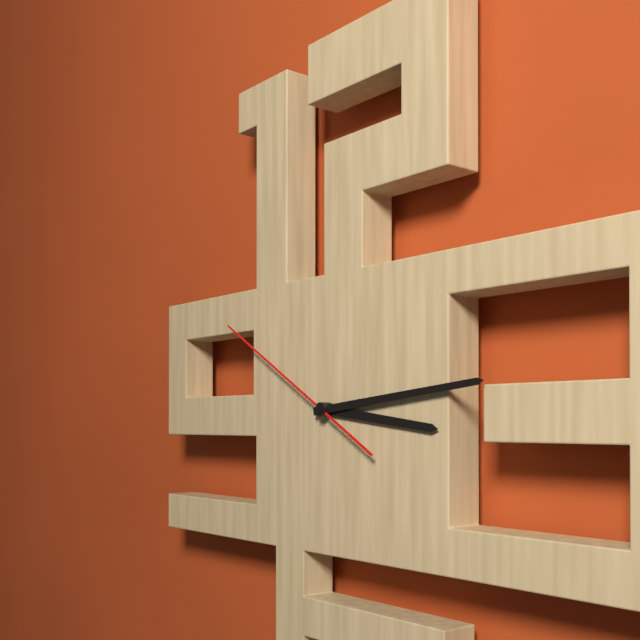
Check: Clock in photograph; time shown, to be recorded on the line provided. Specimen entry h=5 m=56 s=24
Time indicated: h=3 m=14 s=50
